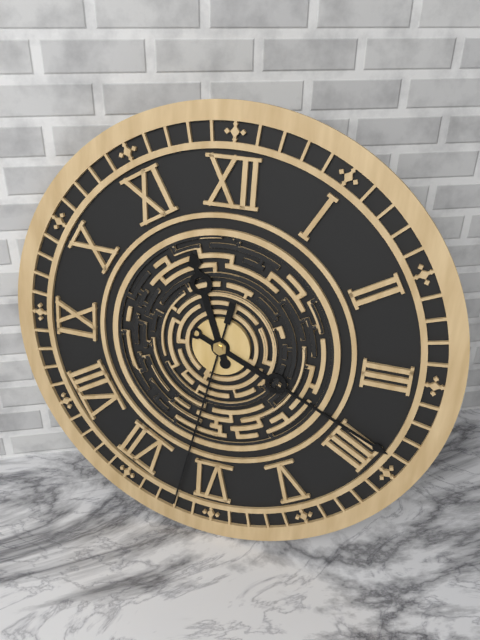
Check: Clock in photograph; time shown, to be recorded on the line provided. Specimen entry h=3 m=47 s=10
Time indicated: h=11 m=19 s=32
